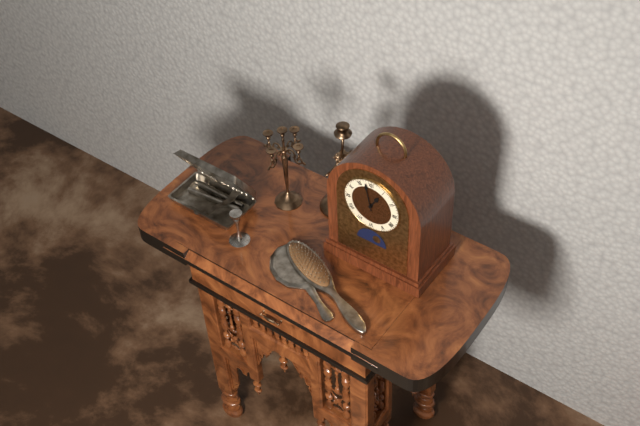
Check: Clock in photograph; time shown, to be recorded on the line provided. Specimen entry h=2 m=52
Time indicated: h=12 m=58
